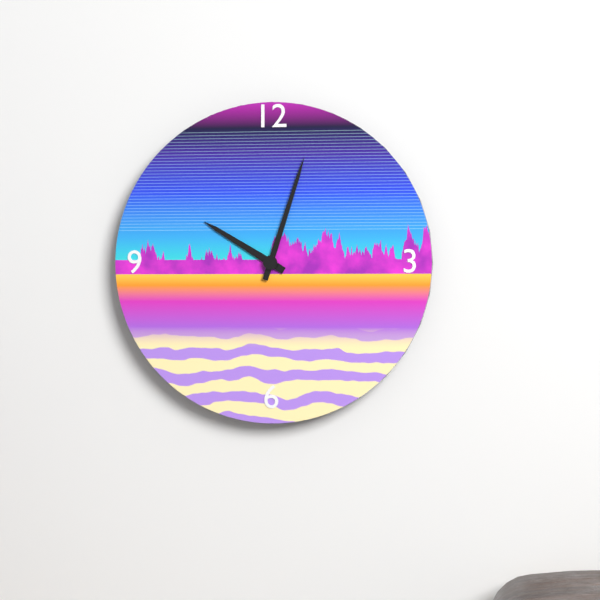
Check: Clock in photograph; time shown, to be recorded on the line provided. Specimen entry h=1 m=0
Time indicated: h=10 m=3
